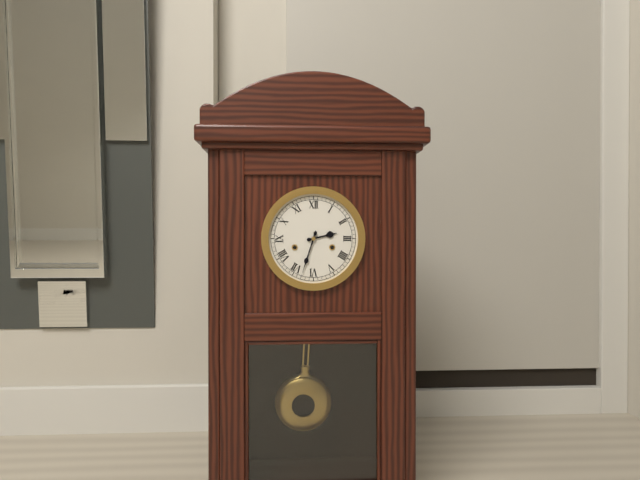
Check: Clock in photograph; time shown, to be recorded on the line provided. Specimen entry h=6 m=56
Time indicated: h=2 m=33
